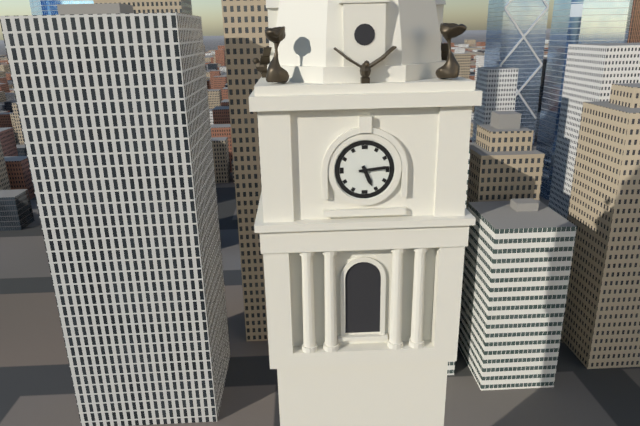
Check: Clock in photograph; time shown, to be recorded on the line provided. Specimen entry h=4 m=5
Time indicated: h=5 m=14
